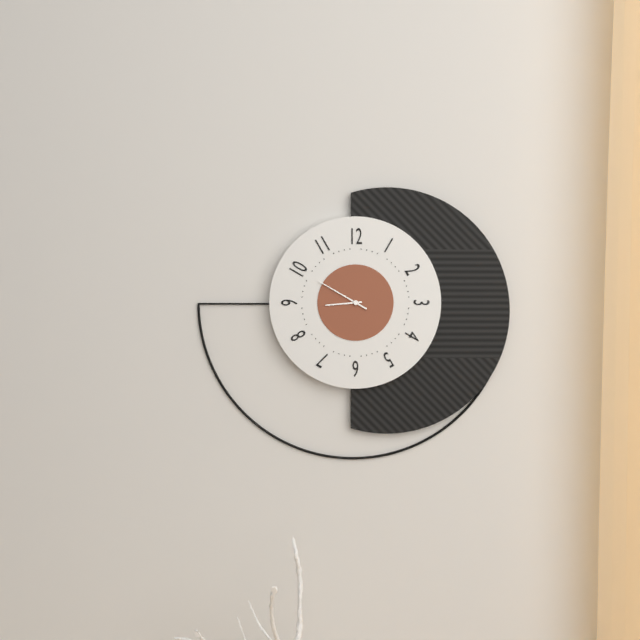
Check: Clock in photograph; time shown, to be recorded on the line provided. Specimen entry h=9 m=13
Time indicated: h=8 m=50
